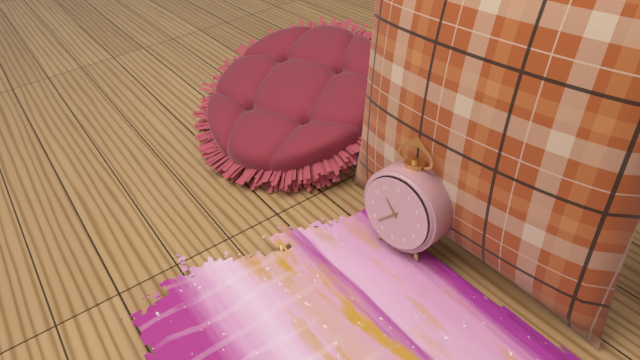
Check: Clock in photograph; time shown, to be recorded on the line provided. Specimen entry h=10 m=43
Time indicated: h=10 m=38
